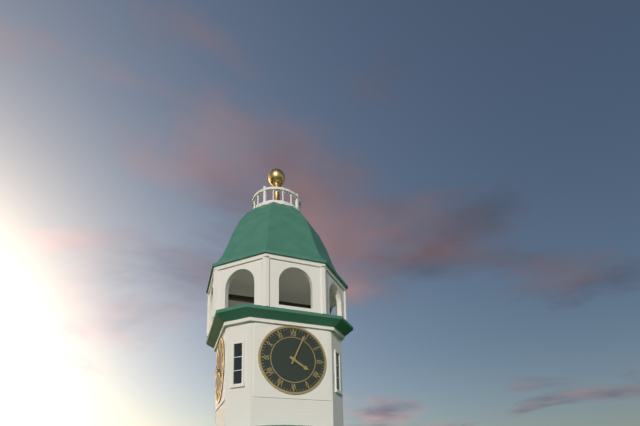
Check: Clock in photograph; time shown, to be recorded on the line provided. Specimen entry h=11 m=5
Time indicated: h=4 m=4
